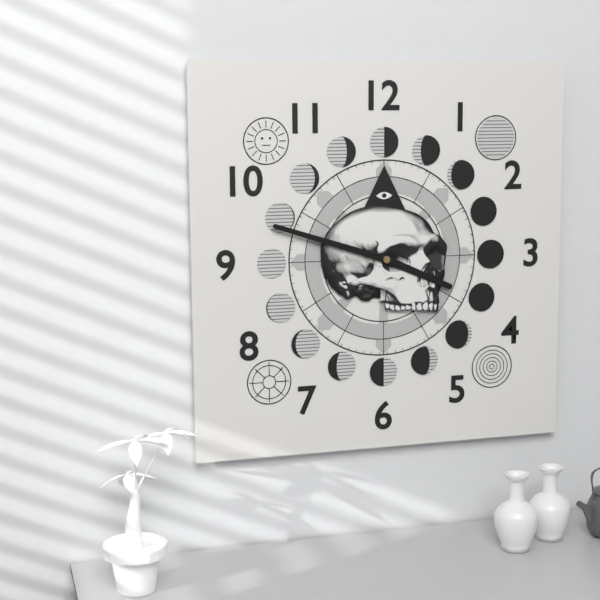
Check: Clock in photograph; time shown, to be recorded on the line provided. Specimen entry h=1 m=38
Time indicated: h=3 m=48
